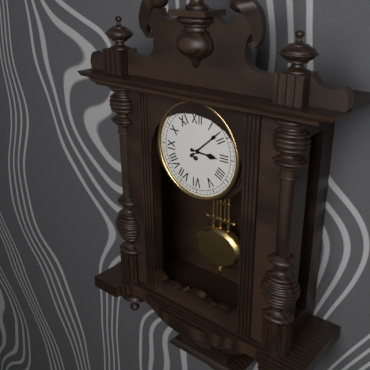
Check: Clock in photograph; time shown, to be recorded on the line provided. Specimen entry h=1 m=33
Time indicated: h=3 m=8
